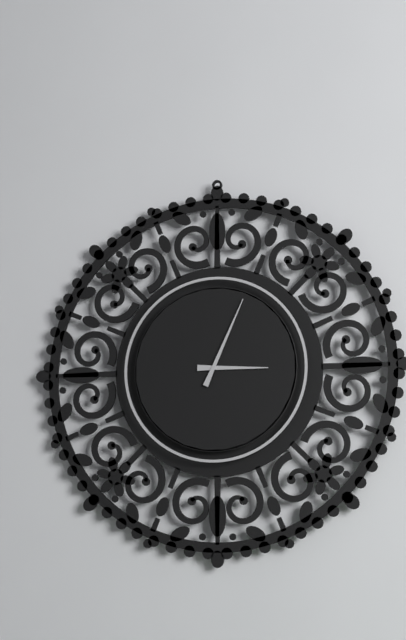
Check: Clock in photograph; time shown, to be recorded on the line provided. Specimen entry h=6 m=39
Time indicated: h=3 m=4
